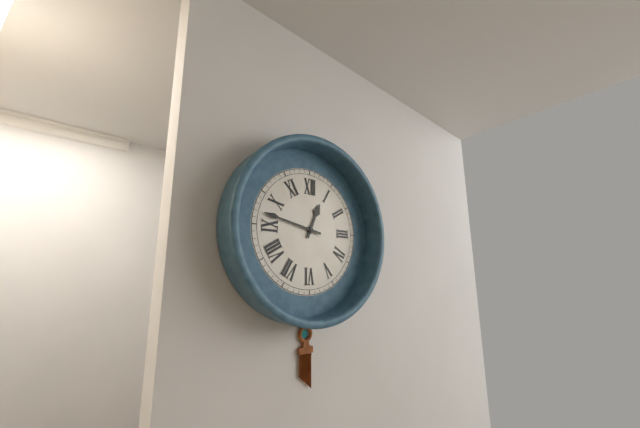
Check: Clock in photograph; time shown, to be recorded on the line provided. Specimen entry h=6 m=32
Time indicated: h=12 m=47
